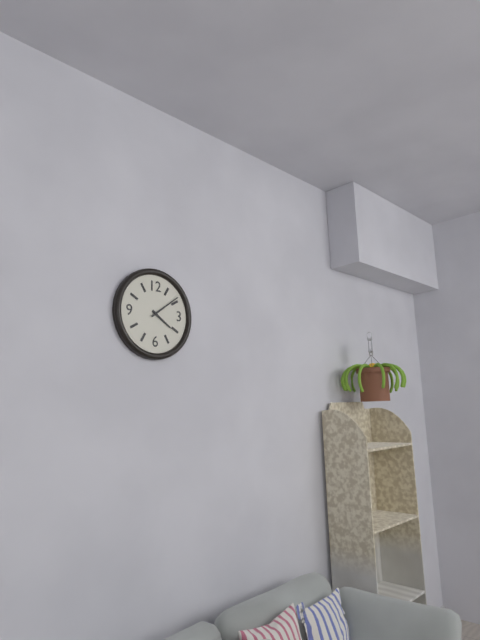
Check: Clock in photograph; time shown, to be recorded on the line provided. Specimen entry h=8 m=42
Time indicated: h=4 m=9
